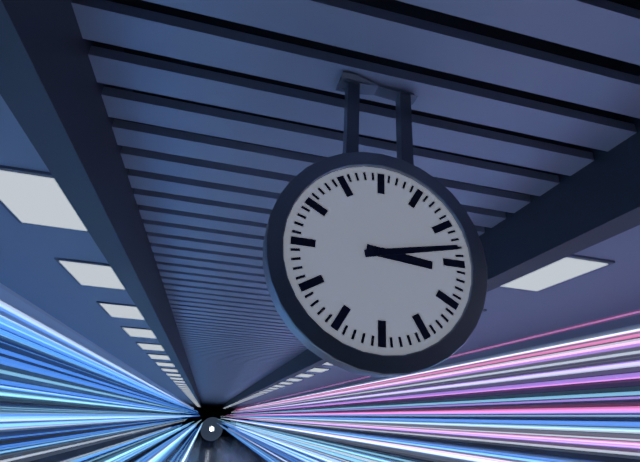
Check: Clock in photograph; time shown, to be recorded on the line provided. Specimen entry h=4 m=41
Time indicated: h=3 m=13
